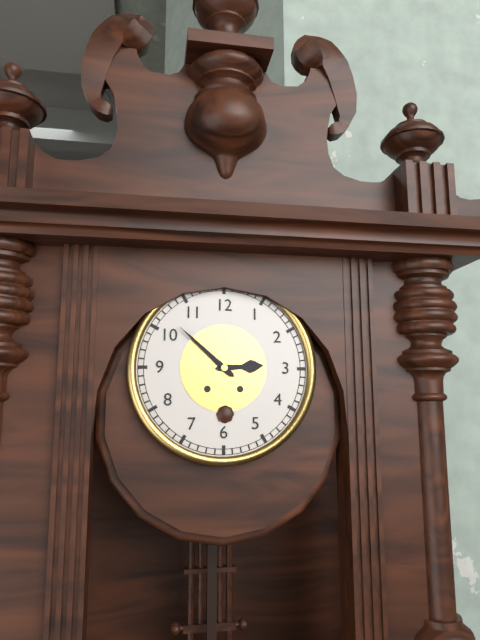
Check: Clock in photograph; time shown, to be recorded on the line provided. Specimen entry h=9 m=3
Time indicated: h=2 m=52
